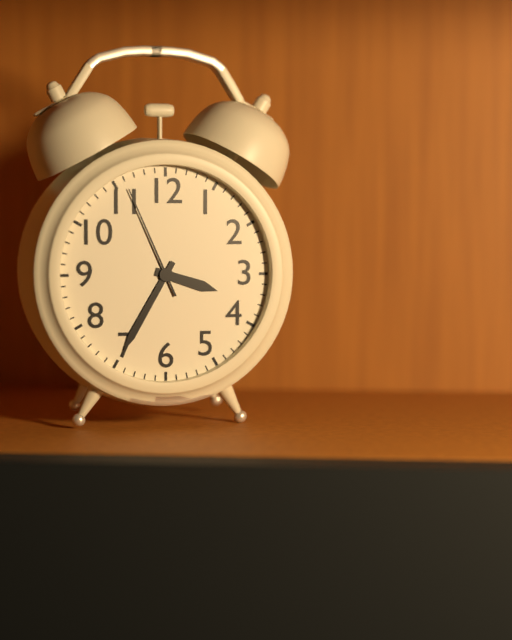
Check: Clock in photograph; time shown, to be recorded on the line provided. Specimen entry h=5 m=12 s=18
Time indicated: h=3 m=35 s=56
